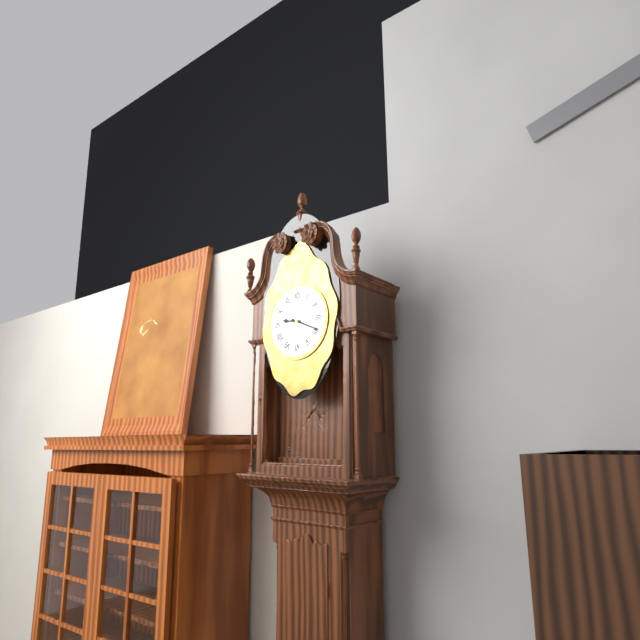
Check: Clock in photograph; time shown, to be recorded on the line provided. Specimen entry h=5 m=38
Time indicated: h=9 m=19
